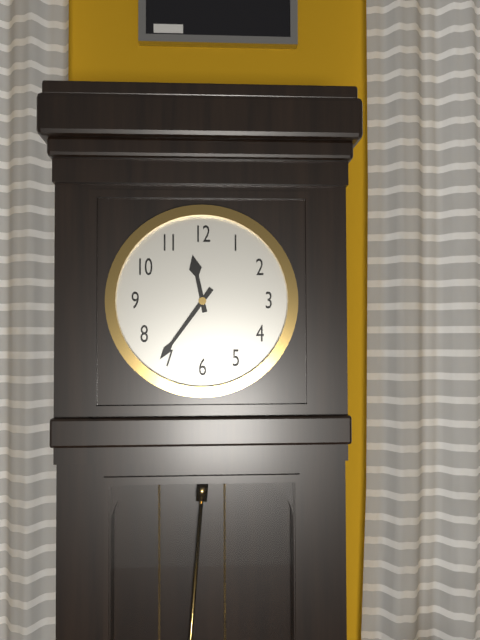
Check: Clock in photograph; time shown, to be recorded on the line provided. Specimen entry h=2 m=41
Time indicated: h=11 m=36
